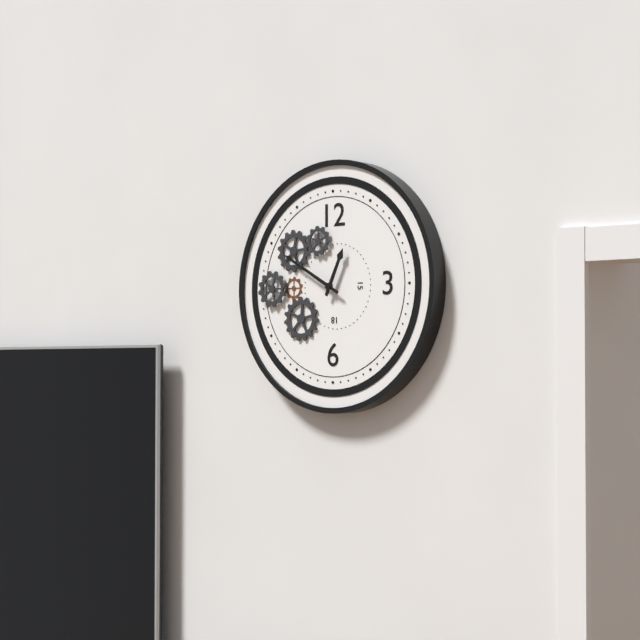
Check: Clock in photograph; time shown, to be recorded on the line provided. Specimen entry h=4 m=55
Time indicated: h=12 m=50
